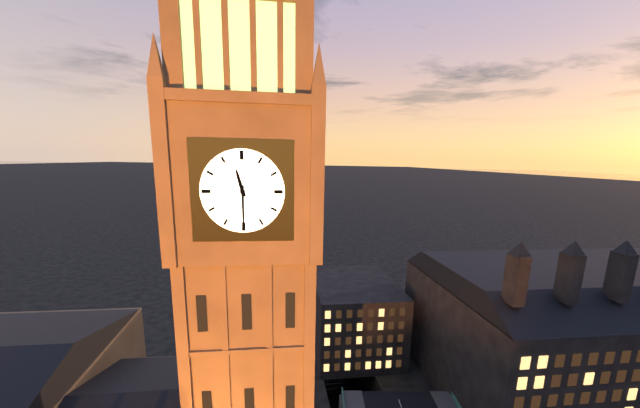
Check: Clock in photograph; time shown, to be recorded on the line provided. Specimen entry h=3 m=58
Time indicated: h=11 m=30
